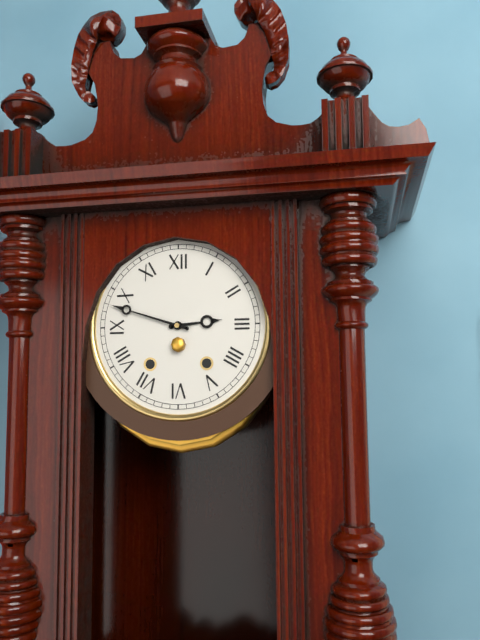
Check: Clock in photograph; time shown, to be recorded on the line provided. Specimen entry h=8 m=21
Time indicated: h=2 m=48
